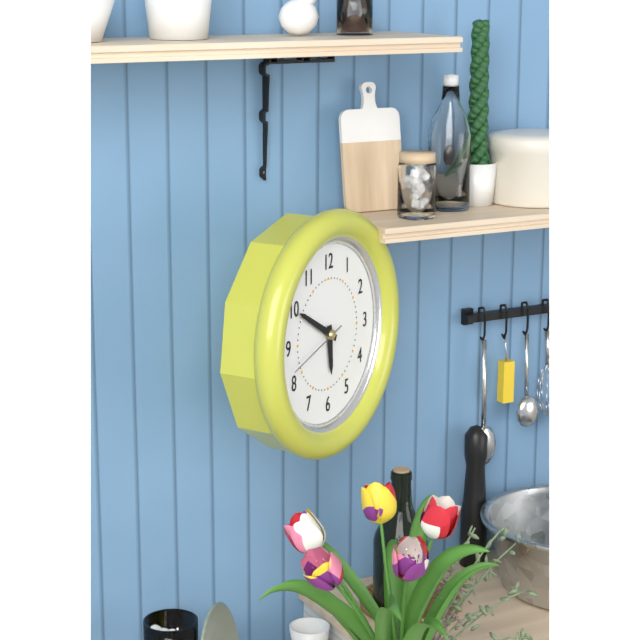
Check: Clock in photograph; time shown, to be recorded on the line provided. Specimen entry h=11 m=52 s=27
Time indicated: h=5 m=50 s=42
